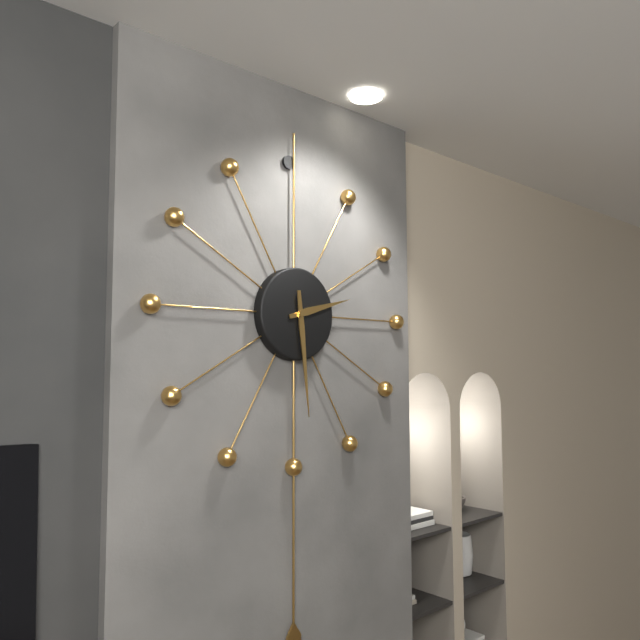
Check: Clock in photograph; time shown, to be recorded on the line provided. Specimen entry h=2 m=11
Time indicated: h=2 m=29
